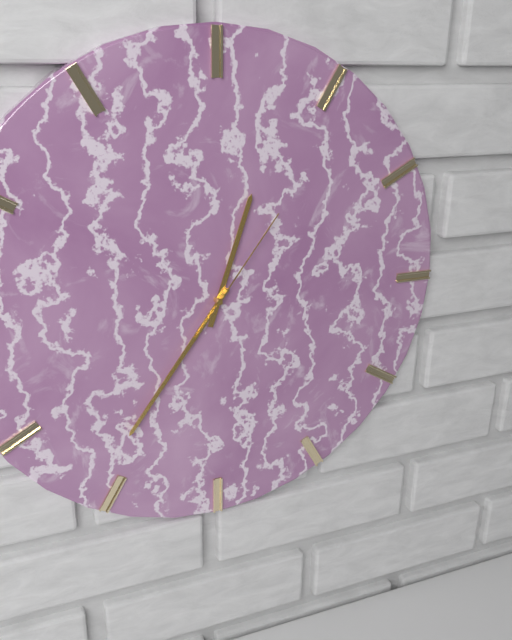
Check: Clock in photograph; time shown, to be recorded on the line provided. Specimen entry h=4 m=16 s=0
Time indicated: h=12 m=36 s=6
